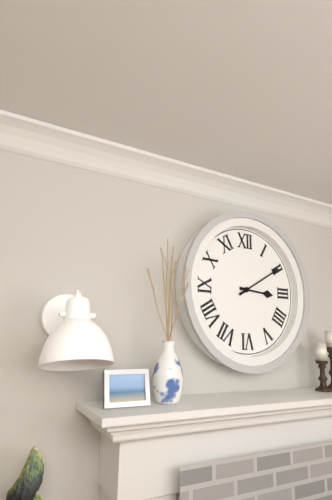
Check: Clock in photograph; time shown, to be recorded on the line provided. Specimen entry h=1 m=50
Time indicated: h=3 m=10
